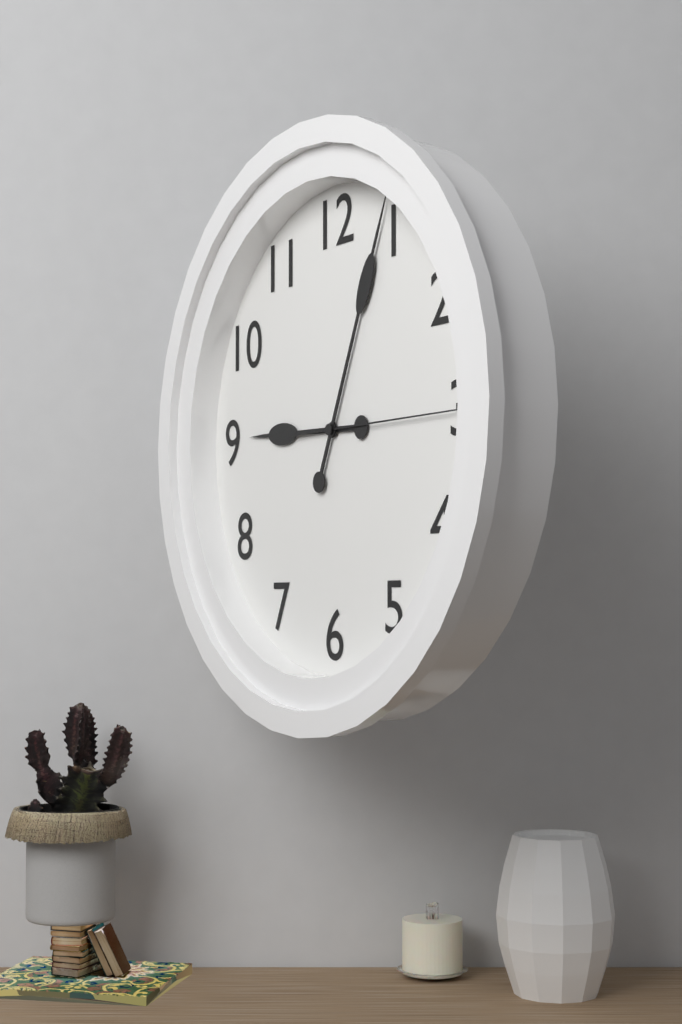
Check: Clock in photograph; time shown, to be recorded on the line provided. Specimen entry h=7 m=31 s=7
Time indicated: h=9 m=4 s=15
